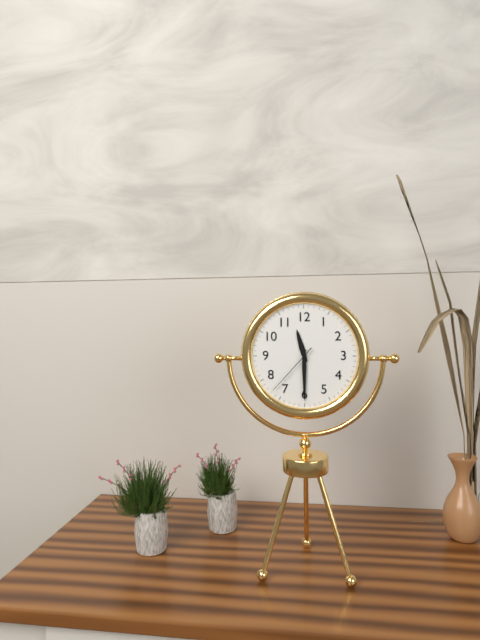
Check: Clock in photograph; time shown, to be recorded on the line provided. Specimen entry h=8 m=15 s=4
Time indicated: h=11 m=30 s=37
